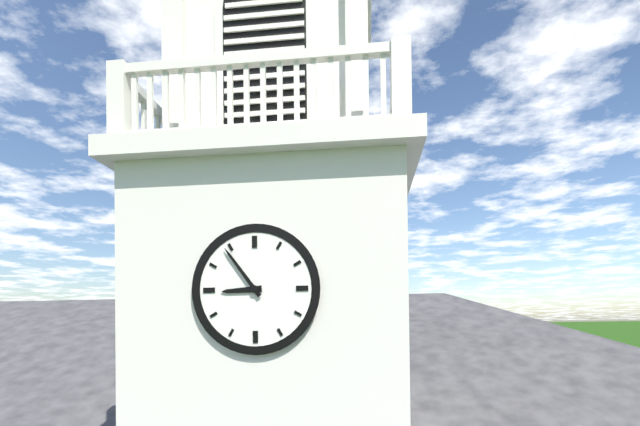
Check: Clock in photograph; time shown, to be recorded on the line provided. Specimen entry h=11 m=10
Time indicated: h=8 m=54
